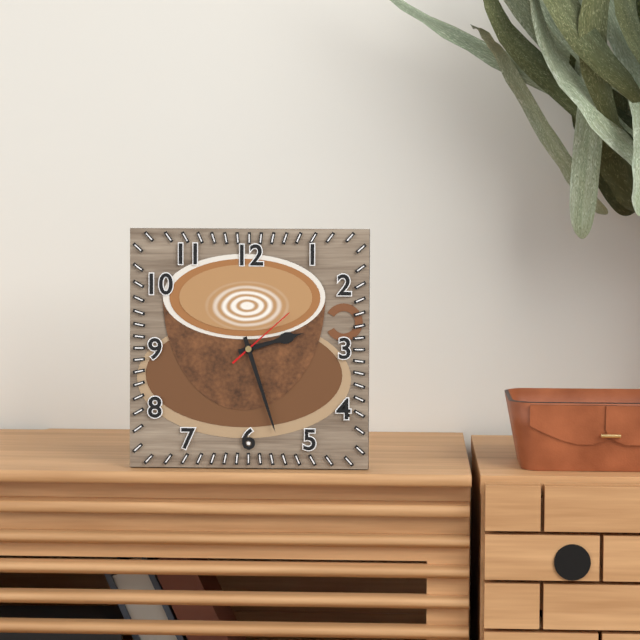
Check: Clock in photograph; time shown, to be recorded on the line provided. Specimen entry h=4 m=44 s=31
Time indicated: h=2 m=27 s=8
